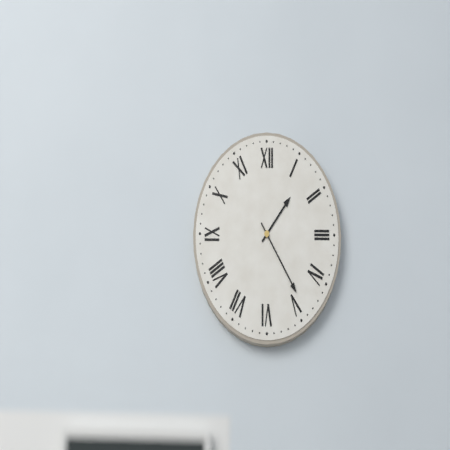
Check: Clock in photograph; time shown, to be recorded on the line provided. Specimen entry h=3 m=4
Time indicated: h=1 m=24
